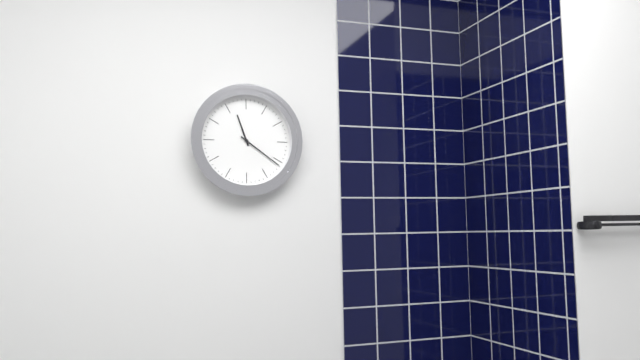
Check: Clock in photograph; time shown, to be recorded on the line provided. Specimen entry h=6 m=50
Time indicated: h=11 m=21
